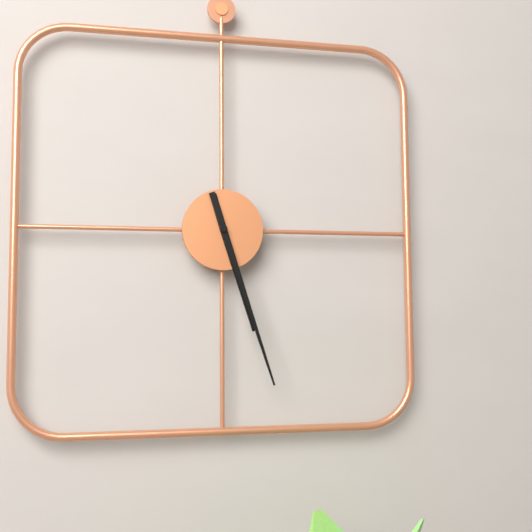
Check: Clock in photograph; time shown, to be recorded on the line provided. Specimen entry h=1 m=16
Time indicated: h=5 m=27
